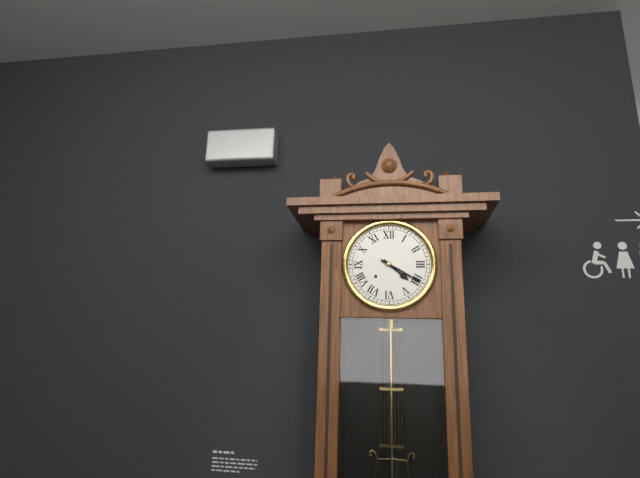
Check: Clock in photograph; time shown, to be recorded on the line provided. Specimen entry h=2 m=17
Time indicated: h=4 m=20
